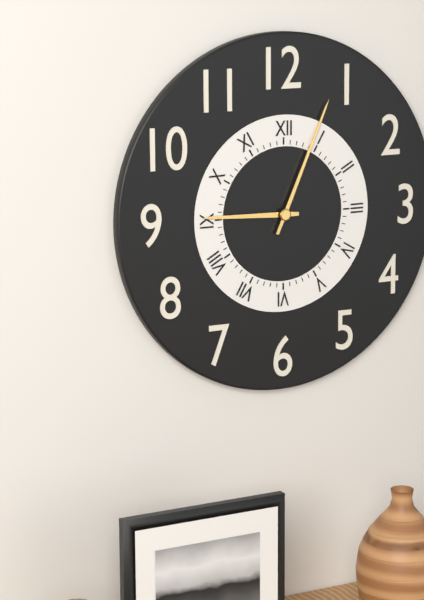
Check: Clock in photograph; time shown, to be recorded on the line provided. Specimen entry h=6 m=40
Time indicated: h=9 m=4
